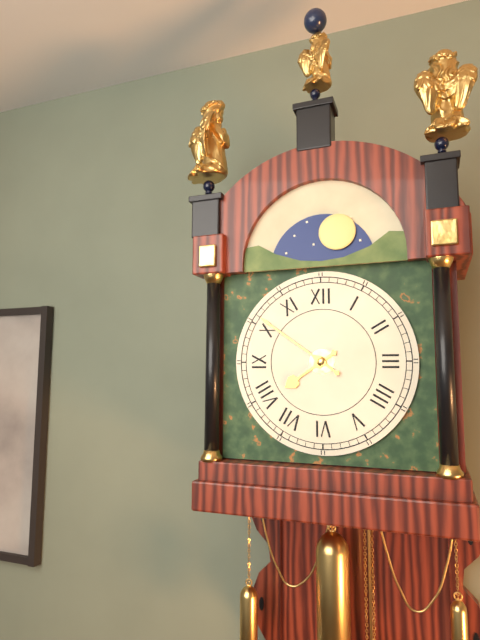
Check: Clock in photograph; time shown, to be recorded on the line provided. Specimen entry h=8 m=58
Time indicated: h=7 m=51
